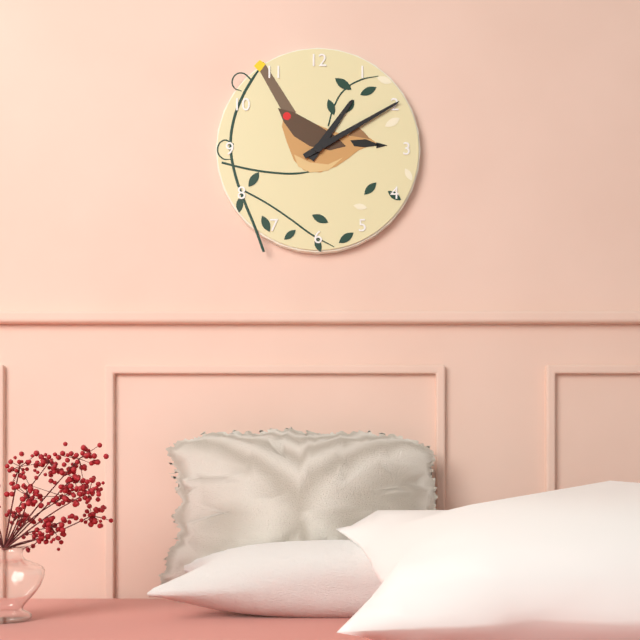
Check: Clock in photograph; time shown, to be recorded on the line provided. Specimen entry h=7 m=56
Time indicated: h=1 m=10
